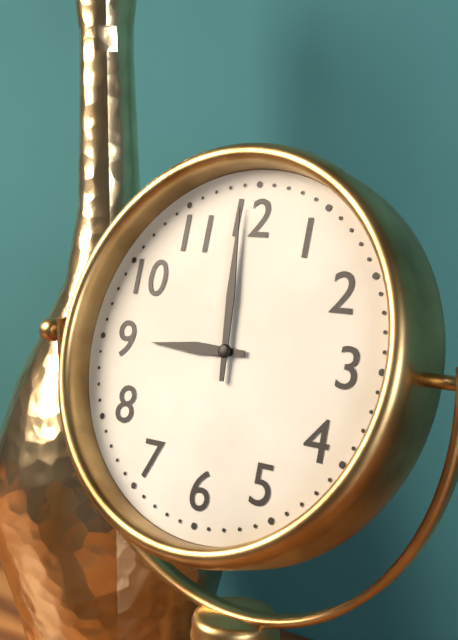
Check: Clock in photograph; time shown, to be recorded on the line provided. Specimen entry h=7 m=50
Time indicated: h=8 m=59
